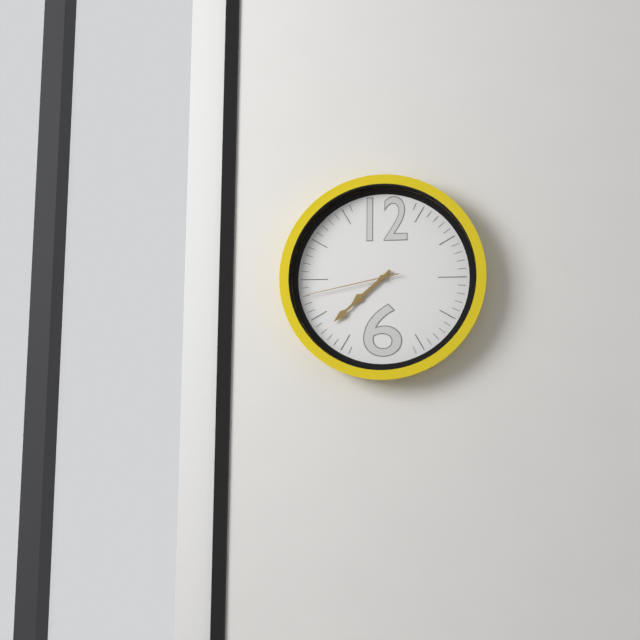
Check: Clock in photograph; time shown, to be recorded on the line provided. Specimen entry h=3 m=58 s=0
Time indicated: h=7 m=38 s=43
